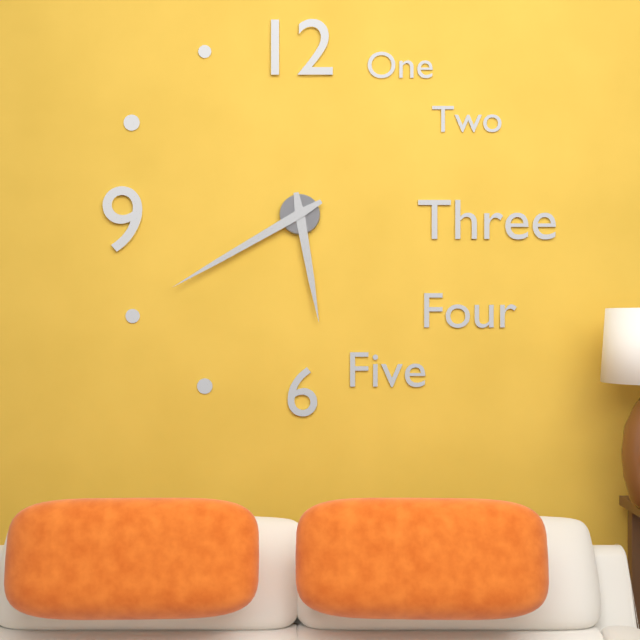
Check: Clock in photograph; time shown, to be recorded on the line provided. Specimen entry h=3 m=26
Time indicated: h=5 m=40
